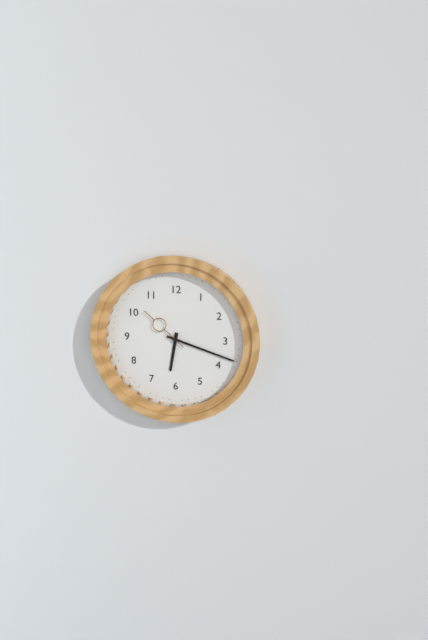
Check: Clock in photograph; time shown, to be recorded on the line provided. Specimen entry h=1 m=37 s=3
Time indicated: h=6 m=18 s=52
